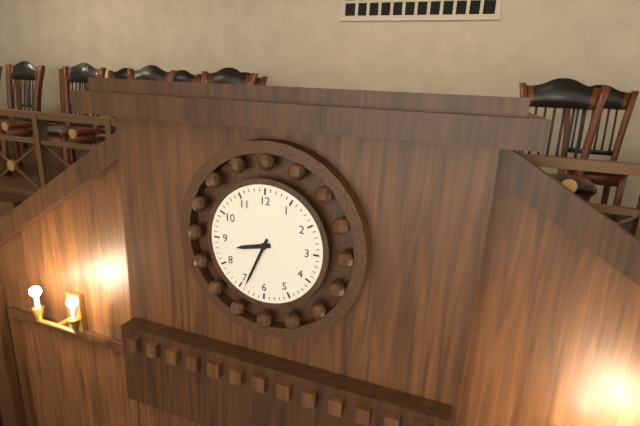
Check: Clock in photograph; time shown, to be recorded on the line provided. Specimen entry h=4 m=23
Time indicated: h=8 m=34
